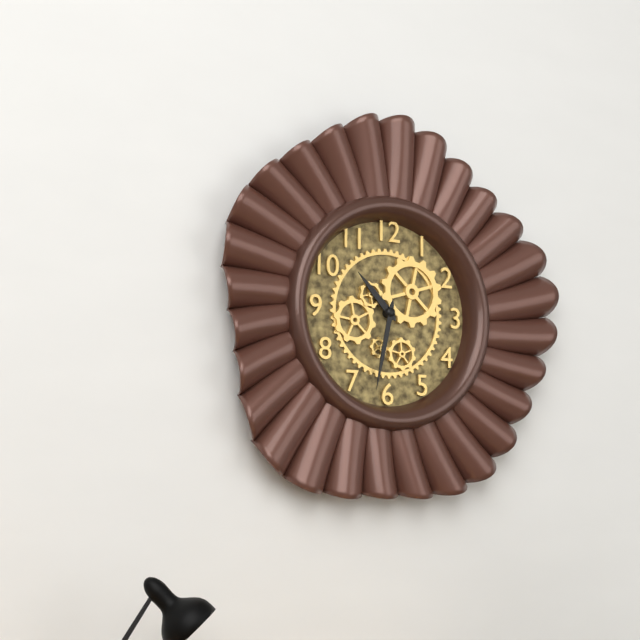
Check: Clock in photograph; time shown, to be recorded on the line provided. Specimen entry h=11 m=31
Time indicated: h=10 m=32
